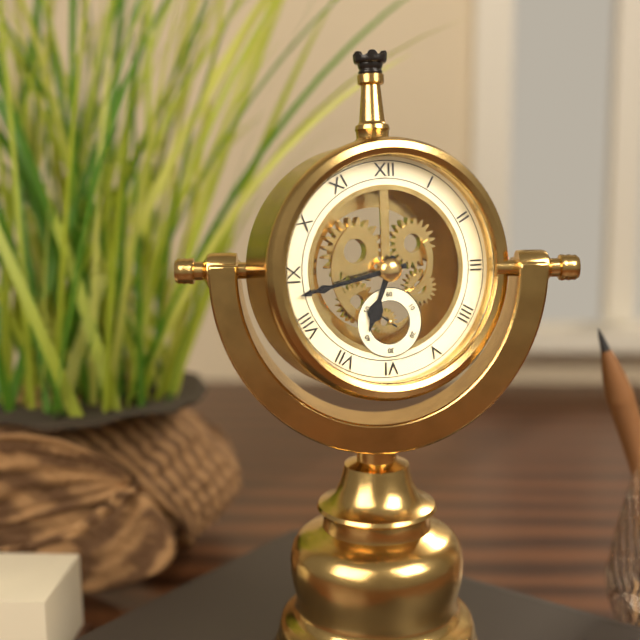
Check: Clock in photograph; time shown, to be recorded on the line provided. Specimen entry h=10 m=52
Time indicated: h=6 m=43
